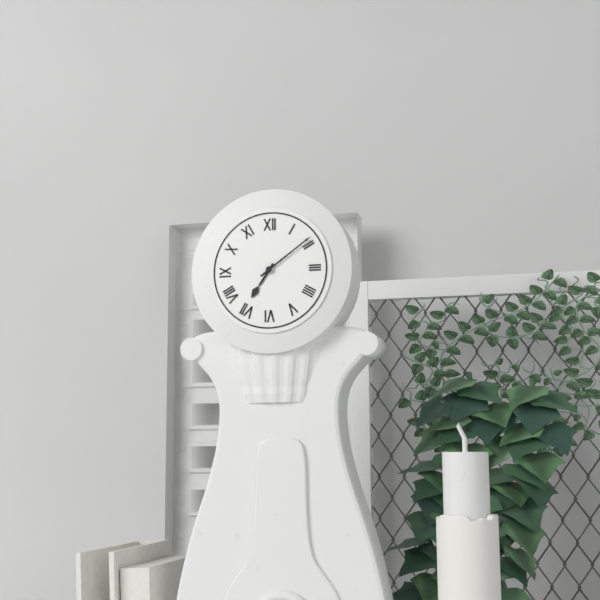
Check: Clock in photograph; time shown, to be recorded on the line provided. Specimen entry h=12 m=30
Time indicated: h=7 m=9
